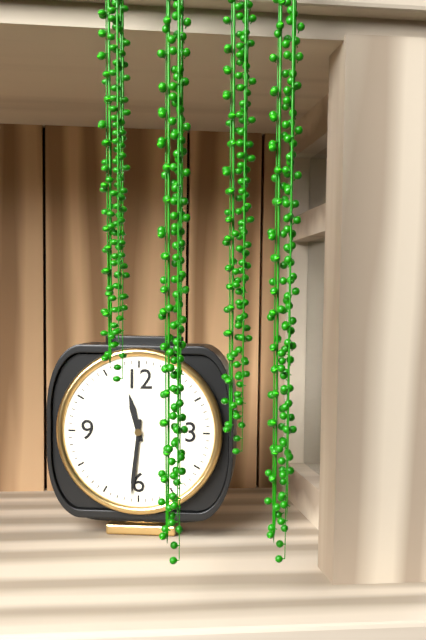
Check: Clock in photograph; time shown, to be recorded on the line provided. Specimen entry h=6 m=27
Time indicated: h=11 m=31
